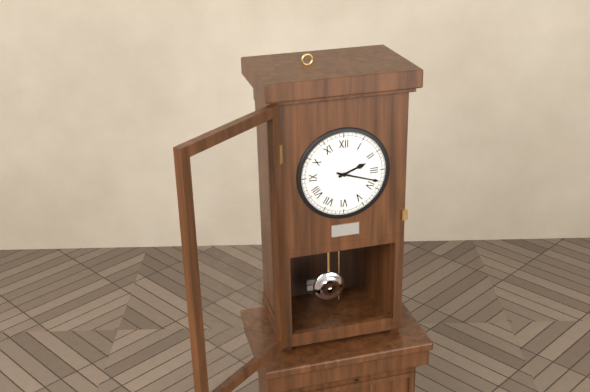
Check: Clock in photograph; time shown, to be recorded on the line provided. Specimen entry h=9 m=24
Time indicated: h=2 m=18
